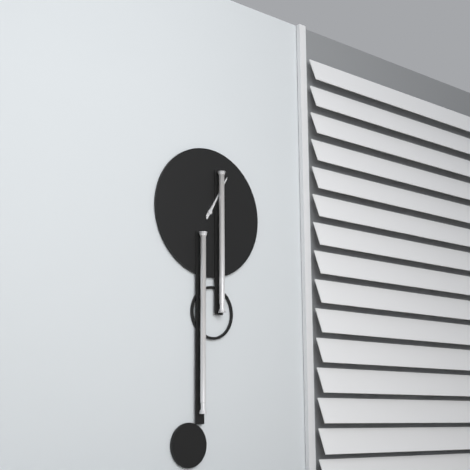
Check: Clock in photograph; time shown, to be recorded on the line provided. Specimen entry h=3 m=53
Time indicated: h=1 m=5
